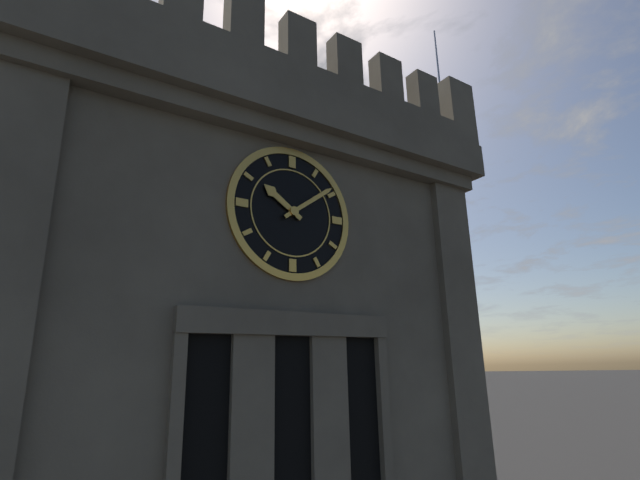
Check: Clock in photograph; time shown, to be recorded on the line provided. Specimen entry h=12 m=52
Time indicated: h=10 m=9
